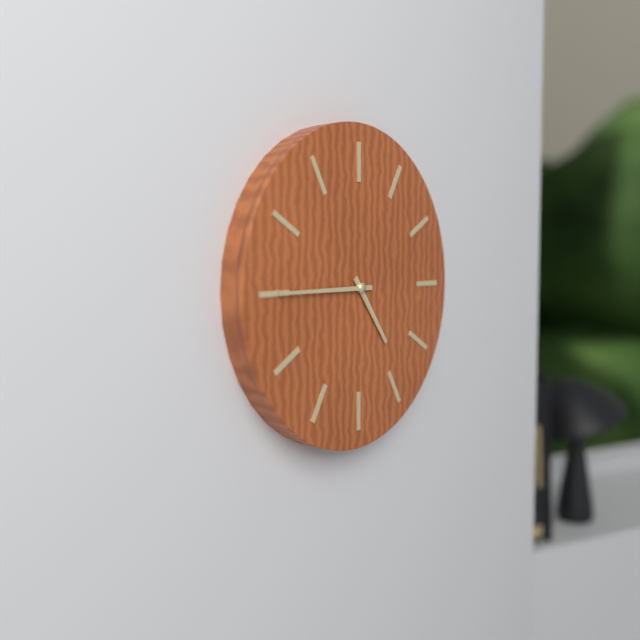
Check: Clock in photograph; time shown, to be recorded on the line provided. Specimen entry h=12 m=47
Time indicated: h=4 m=45
